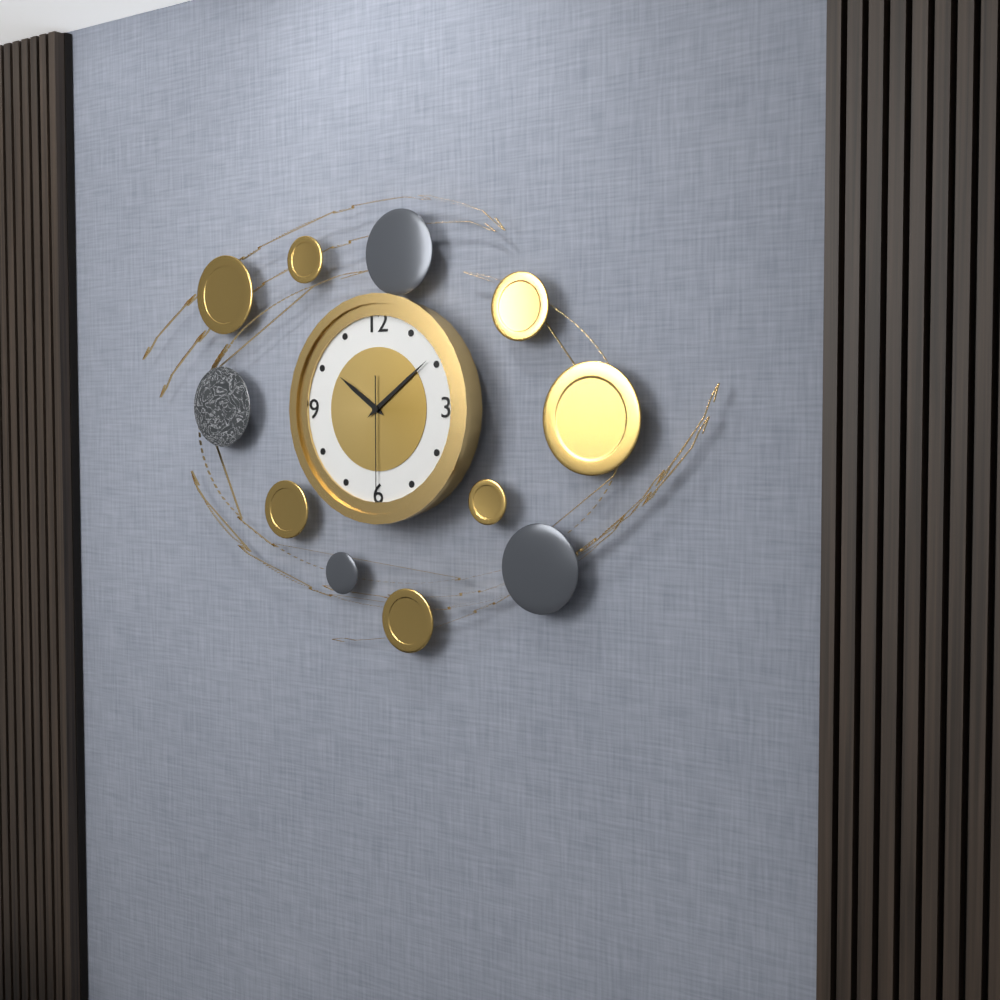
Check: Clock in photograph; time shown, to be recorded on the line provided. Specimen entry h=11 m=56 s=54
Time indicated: h=10 m=9 s=30
